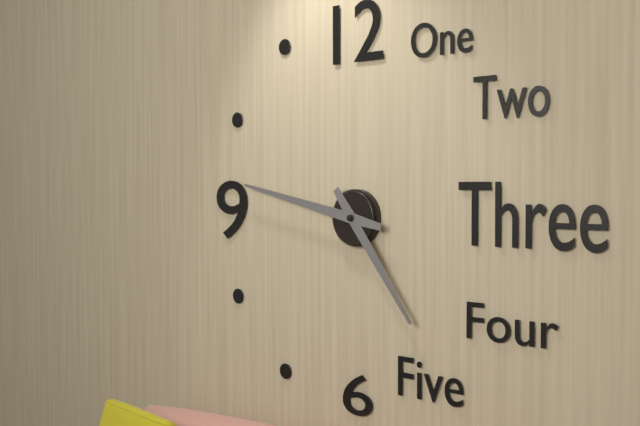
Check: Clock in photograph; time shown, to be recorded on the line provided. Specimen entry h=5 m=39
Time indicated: h=4 m=47
